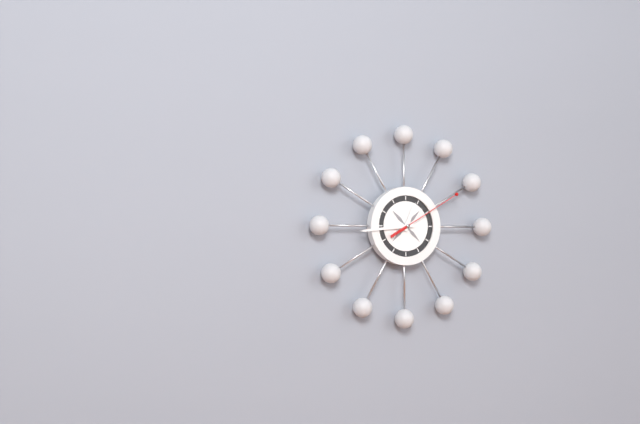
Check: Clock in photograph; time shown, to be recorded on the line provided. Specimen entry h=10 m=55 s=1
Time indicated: h=12 m=44 s=10
